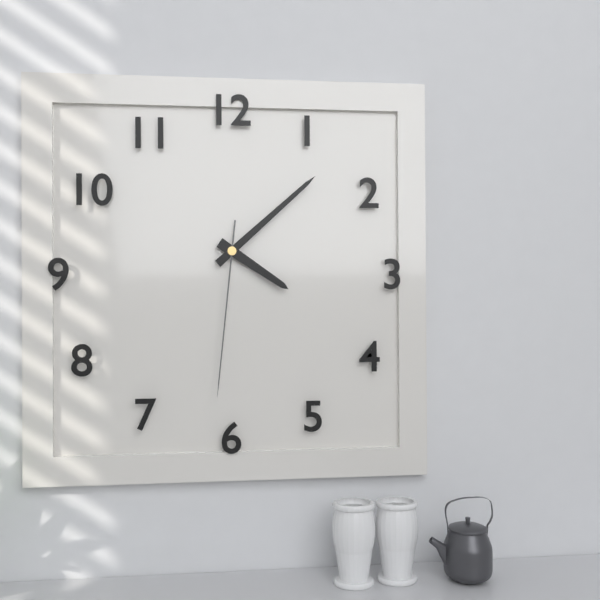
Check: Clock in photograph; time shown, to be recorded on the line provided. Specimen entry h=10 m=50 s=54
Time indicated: h=4 m=8 s=31
